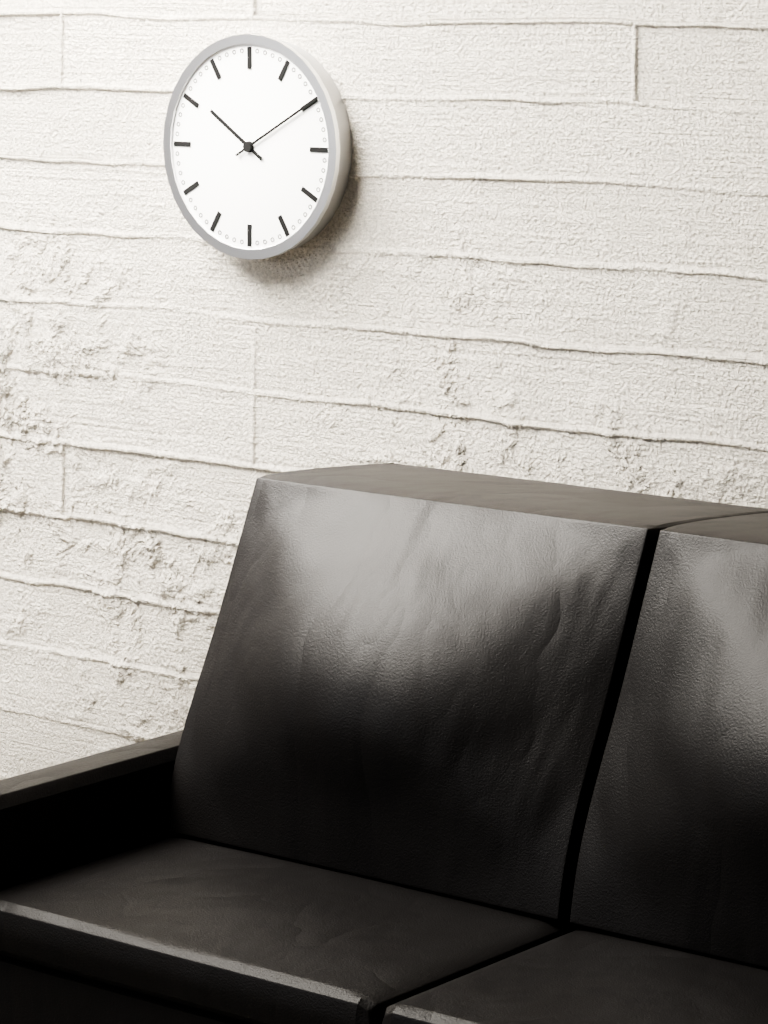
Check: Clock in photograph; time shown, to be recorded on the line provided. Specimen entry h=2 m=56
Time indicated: h=10 m=10
